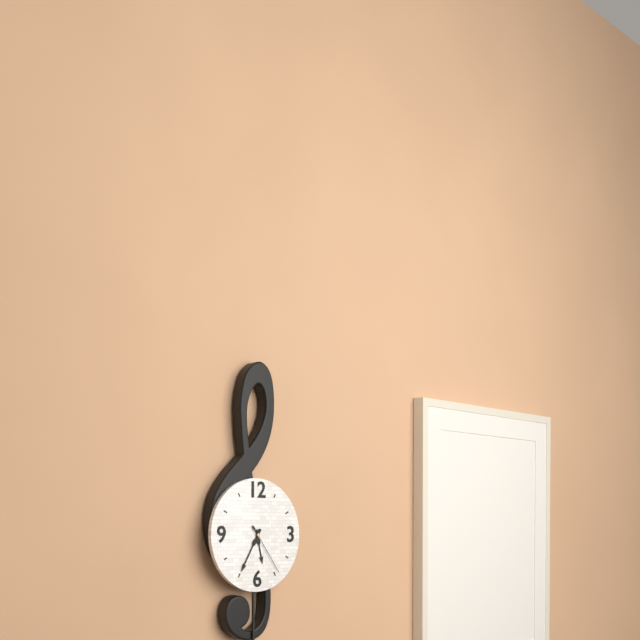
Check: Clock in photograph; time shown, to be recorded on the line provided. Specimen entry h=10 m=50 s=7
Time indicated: h=5 m=35 s=24
